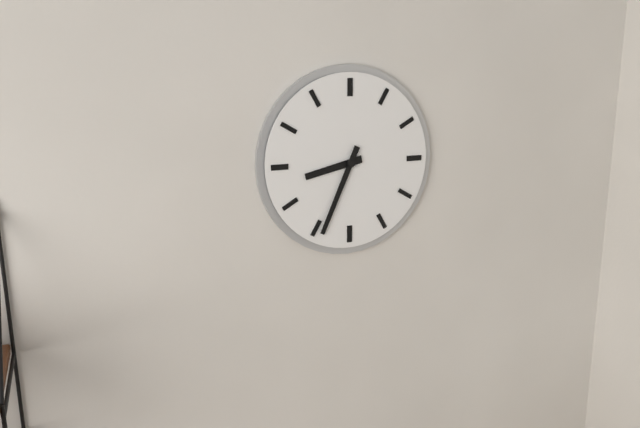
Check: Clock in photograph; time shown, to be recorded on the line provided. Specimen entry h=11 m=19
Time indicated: h=8 m=34
